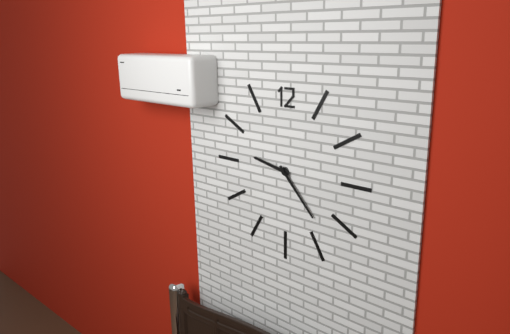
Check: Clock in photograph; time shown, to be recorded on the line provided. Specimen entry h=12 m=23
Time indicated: h=9 m=23
